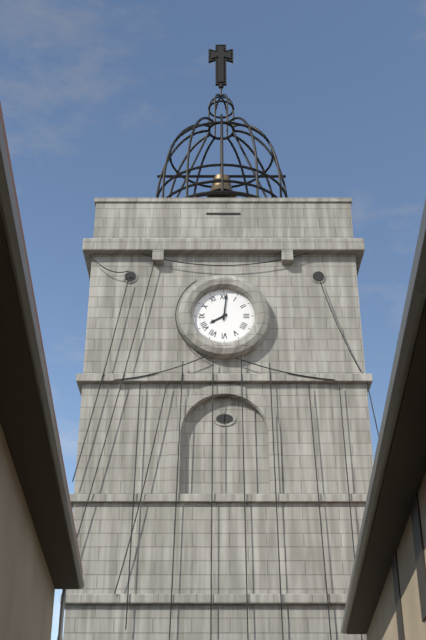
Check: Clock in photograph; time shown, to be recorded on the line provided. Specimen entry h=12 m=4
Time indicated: h=8 m=1
